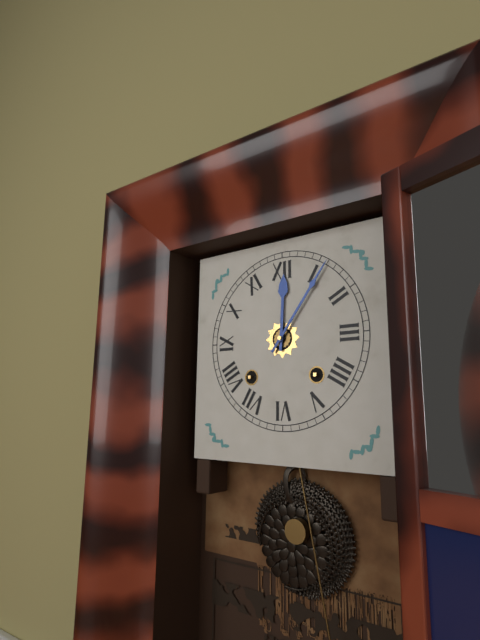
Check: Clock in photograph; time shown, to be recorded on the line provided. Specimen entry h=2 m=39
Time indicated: h=12 m=6
